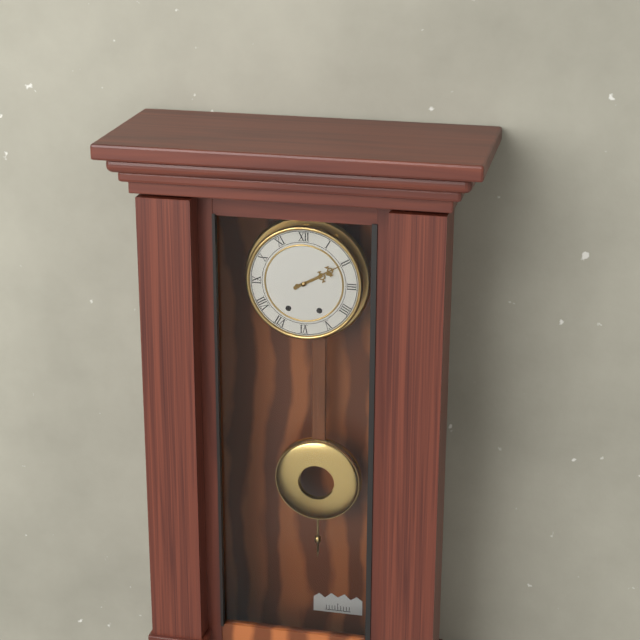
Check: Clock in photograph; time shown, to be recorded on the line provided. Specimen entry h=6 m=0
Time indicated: h=2 m=10
